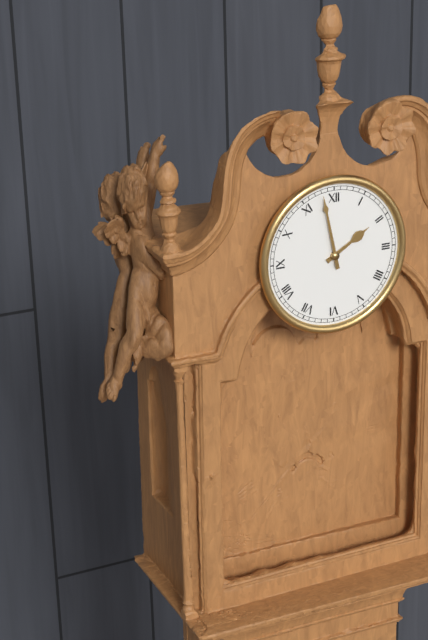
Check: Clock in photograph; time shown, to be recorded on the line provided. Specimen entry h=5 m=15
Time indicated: h=1 m=58
